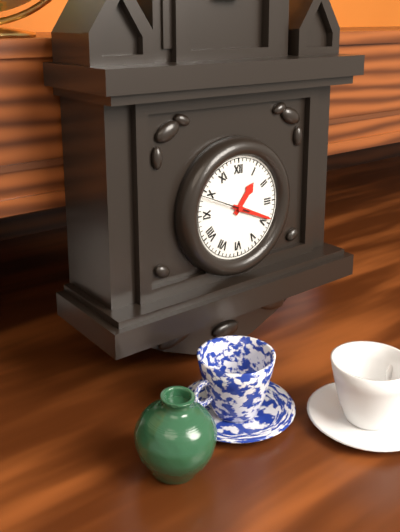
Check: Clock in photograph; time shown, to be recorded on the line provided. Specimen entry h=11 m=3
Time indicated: h=1 m=19
